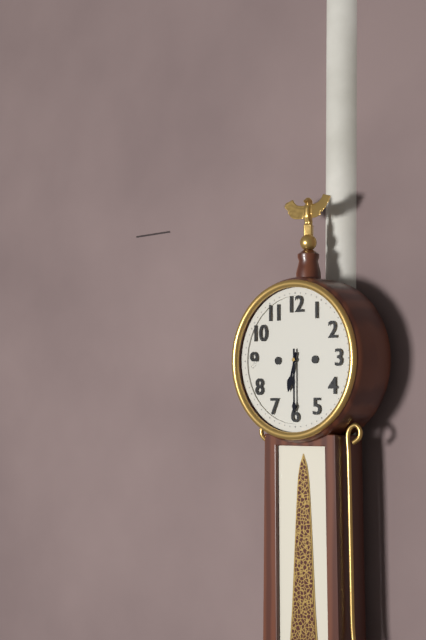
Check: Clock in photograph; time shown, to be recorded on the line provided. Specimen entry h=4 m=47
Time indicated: h=6 m=30
